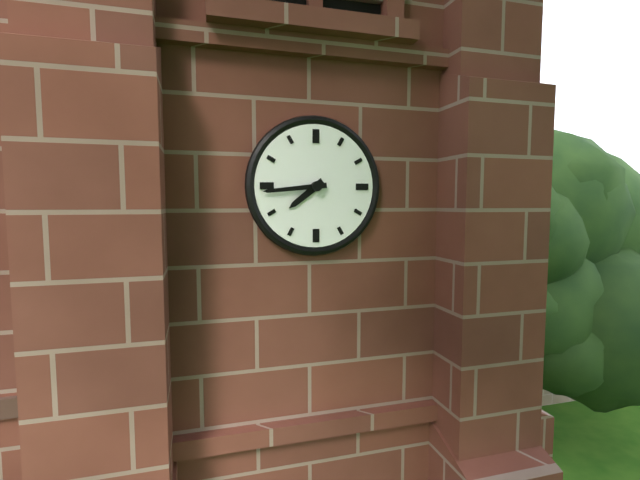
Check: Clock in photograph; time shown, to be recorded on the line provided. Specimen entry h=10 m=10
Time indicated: h=7 m=44
